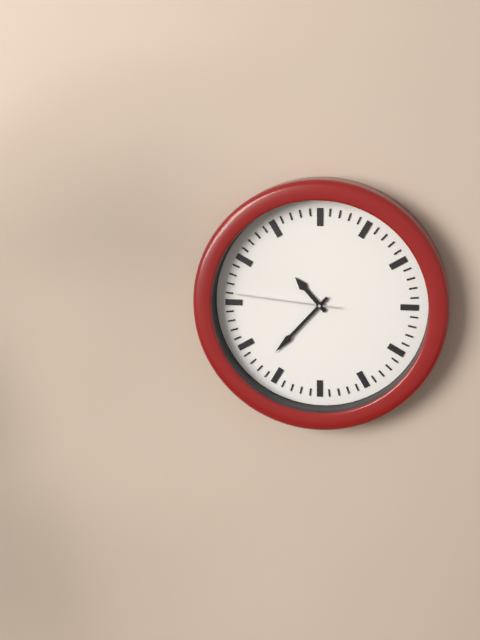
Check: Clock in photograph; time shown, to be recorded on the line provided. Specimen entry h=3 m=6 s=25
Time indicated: h=10 m=37 s=46
